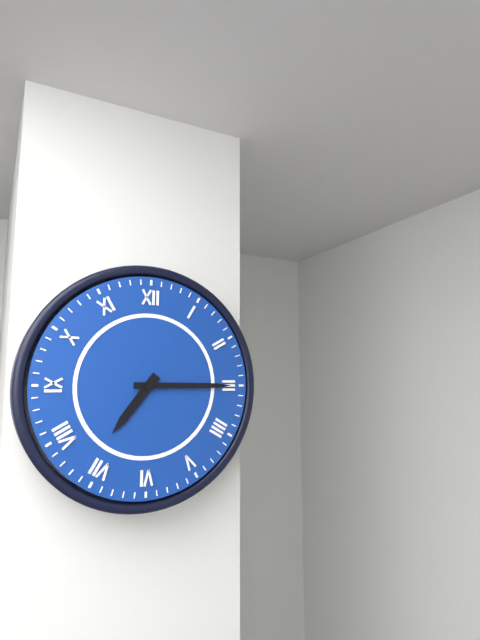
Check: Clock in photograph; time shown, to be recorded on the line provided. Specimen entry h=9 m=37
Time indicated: h=7 m=15
